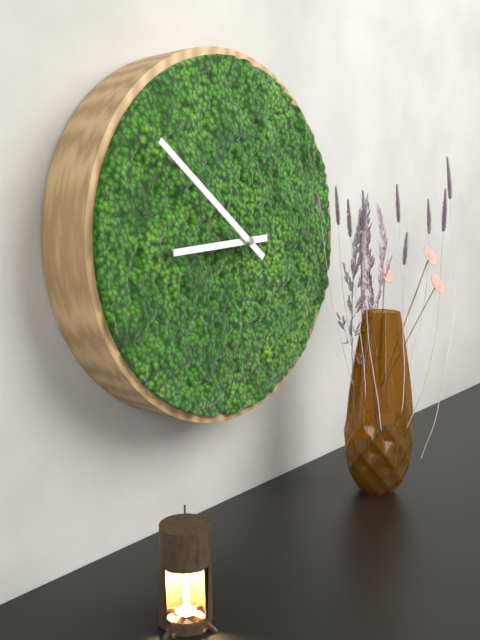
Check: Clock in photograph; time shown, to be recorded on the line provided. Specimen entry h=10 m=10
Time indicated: h=8 m=51
